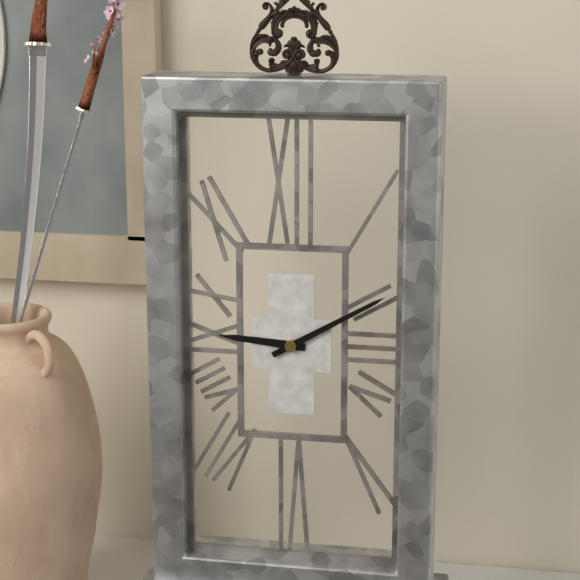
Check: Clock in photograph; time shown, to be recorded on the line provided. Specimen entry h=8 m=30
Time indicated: h=9 m=10
